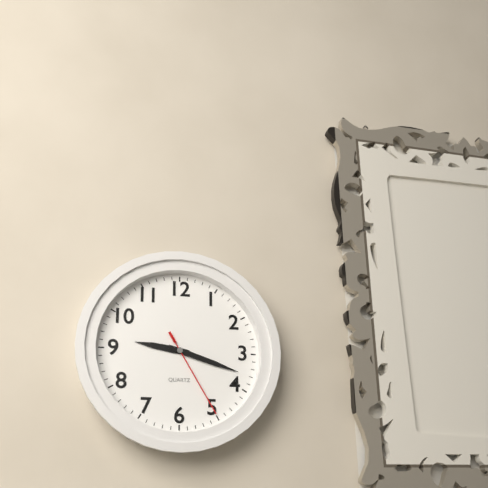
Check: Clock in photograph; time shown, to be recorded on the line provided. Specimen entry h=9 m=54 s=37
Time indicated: h=9 m=18 s=25
